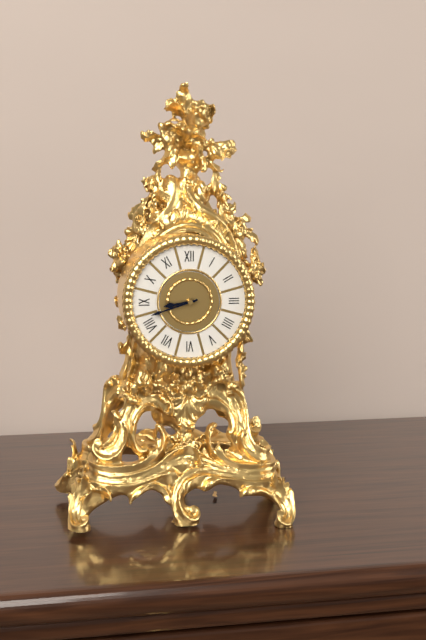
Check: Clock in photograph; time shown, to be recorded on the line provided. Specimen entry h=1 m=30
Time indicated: h=8 m=42
